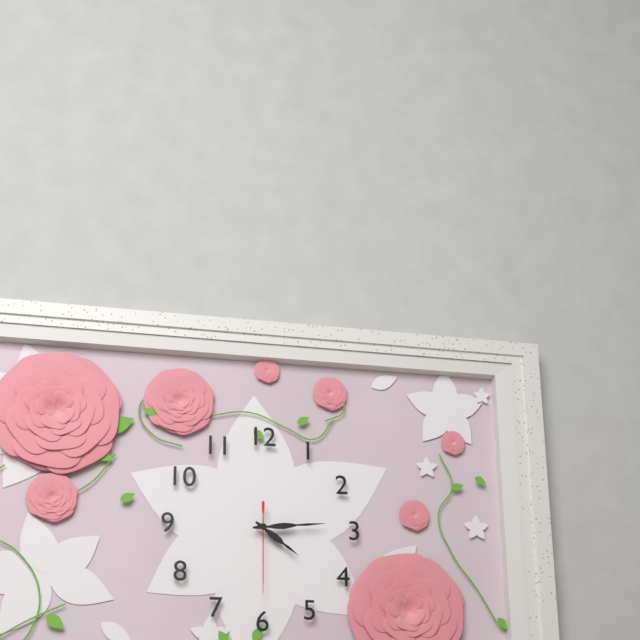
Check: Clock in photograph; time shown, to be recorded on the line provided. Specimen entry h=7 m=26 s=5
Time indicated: h=4 m=14 s=30
